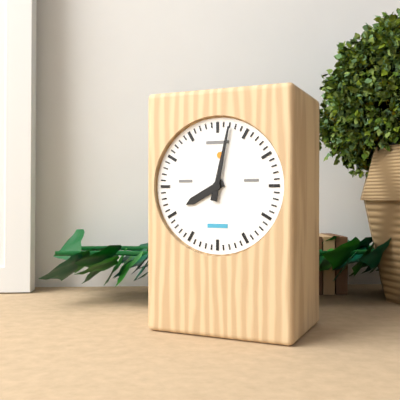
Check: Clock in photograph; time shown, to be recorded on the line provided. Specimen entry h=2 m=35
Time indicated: h=8 m=2
